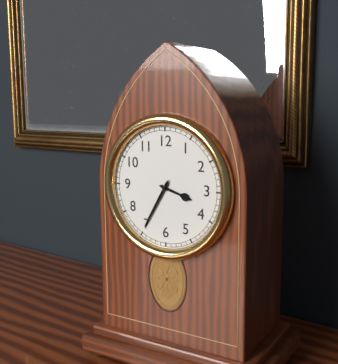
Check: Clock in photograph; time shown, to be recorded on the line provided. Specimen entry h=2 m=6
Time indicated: h=3 m=35
